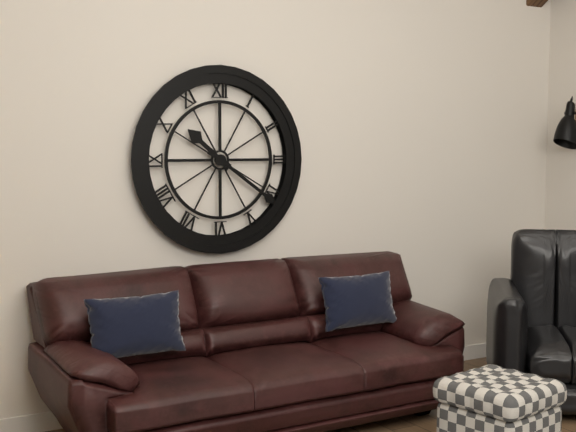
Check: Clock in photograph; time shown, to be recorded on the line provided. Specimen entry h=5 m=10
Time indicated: h=10 m=21
